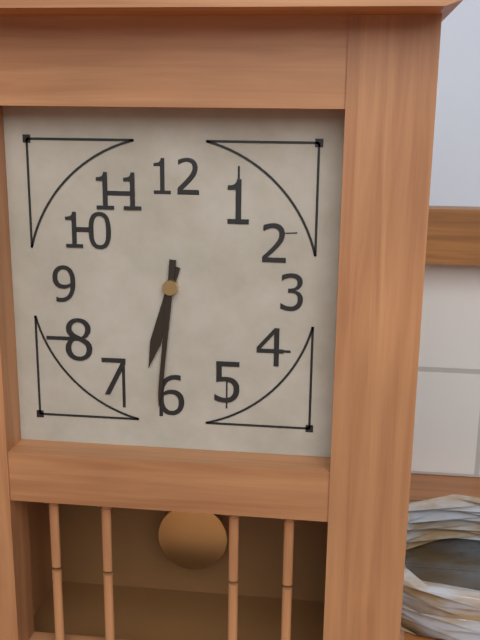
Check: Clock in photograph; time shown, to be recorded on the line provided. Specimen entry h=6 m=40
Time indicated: h=6 m=31
